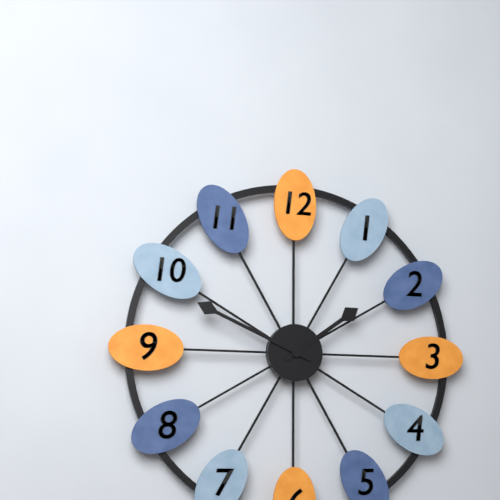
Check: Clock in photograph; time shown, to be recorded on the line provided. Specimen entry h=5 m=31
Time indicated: h=1 m=49
